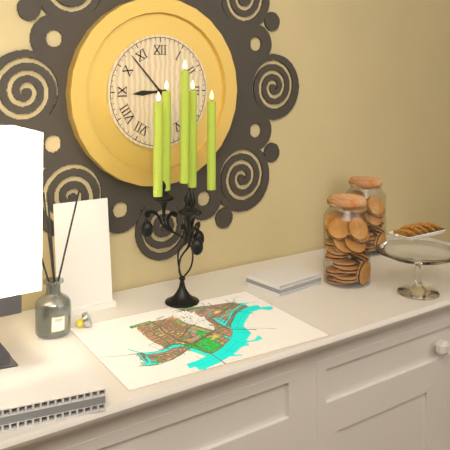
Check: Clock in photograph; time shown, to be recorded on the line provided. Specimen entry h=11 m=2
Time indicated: h=8 m=53
